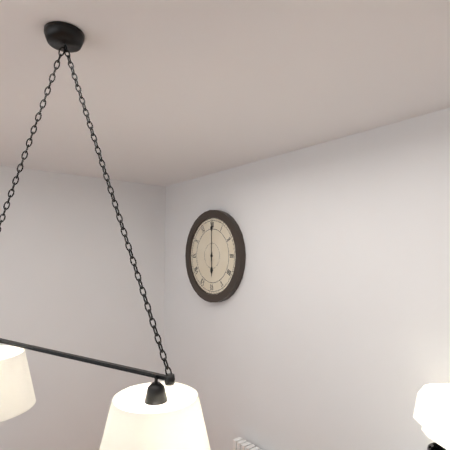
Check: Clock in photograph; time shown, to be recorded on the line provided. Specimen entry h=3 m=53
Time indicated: h=6 m=0
